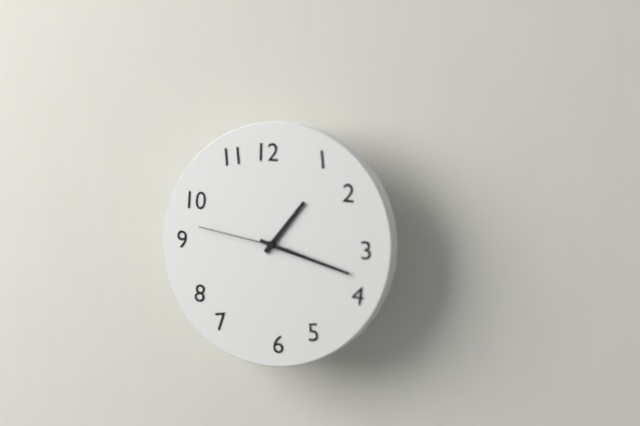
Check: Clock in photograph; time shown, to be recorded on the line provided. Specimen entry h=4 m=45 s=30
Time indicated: h=1 m=18 s=47
